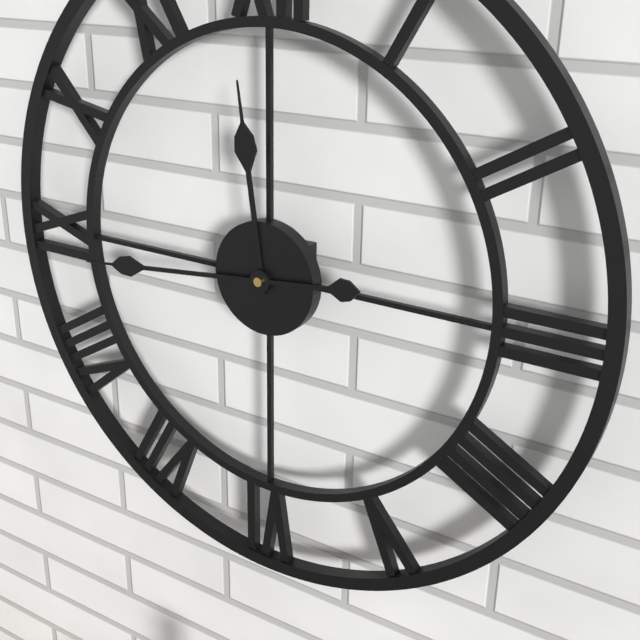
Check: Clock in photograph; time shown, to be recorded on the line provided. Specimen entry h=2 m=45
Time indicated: h=11 m=44
